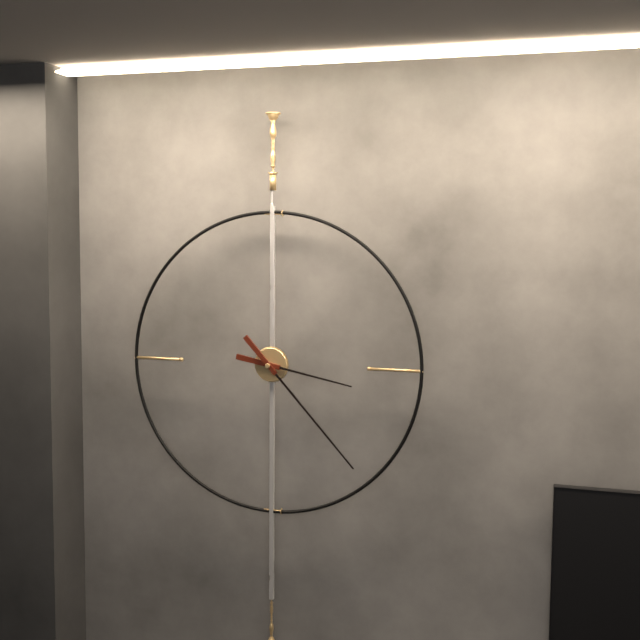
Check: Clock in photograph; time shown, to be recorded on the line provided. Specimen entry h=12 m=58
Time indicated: h=3 m=23
